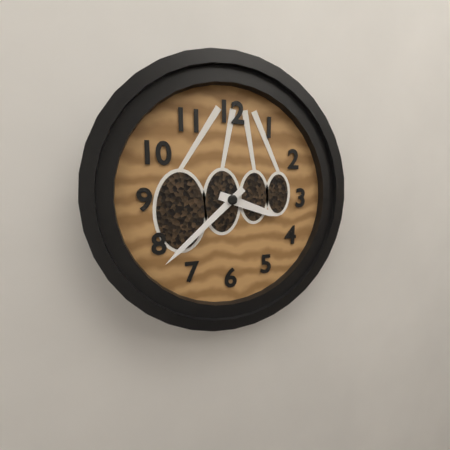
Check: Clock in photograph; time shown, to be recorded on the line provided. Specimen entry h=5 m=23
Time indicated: h=3 m=38
